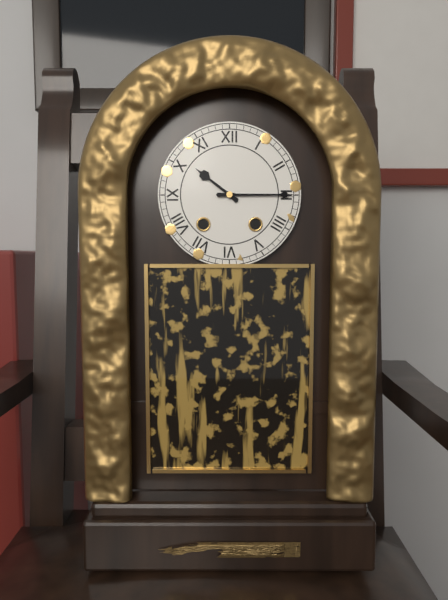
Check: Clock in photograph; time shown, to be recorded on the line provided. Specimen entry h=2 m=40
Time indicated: h=10 m=15
